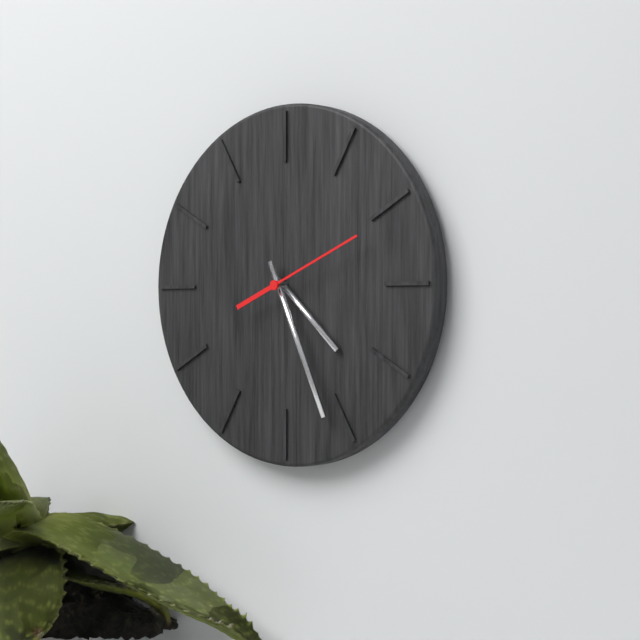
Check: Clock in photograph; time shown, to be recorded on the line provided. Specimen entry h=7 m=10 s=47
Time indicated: h=4 m=26 s=11
